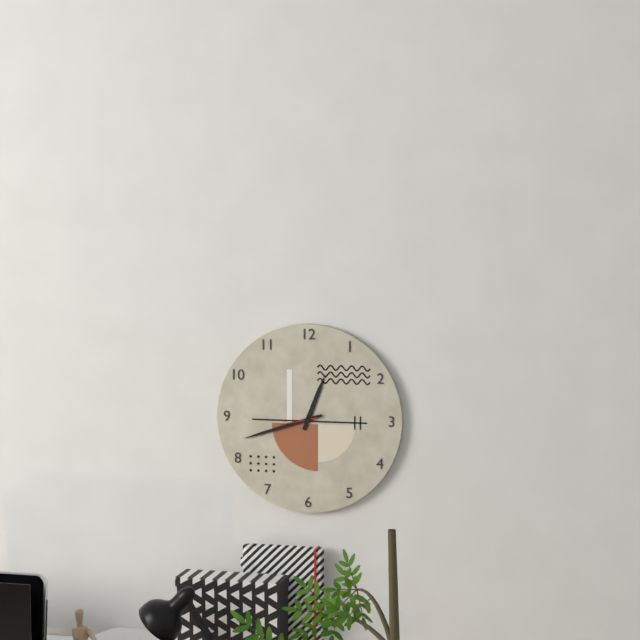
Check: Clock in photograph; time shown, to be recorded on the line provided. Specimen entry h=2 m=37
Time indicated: h=12 m=42
